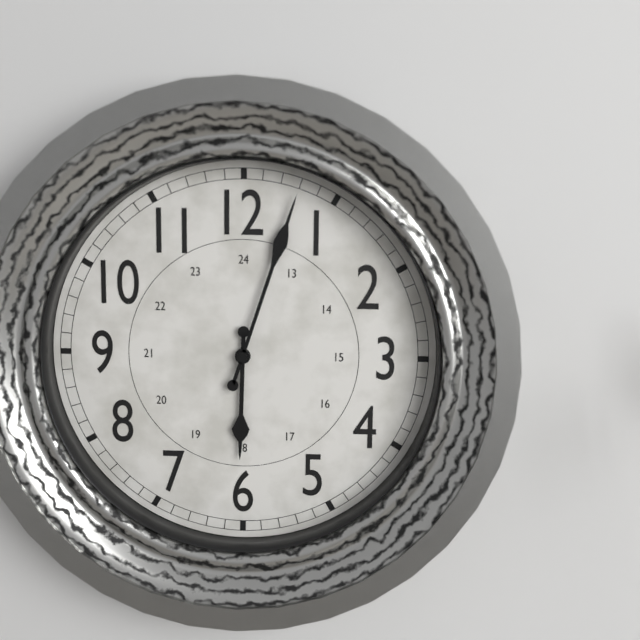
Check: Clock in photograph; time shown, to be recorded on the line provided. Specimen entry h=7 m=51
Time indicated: h=6 m=3
